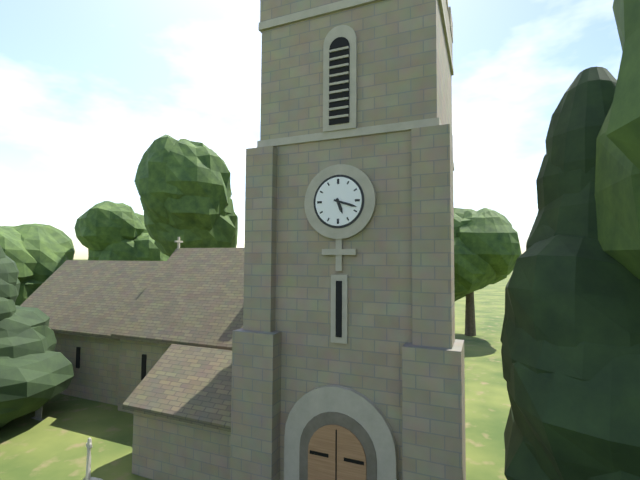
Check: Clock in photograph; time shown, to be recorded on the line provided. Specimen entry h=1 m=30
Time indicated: h=5 m=18
